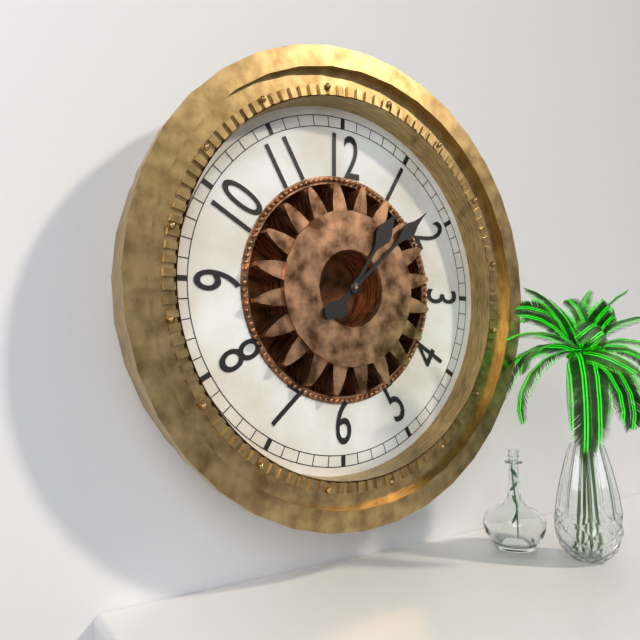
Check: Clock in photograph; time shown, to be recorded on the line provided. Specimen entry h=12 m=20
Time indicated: h=1 m=8
